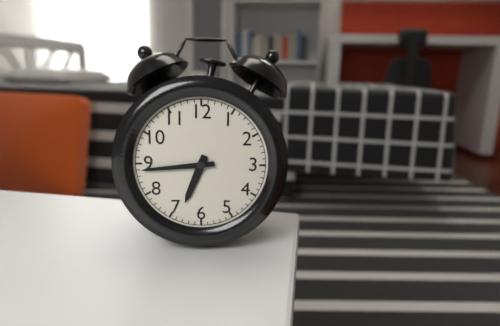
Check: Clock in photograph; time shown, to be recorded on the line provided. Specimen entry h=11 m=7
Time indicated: h=6 m=44
